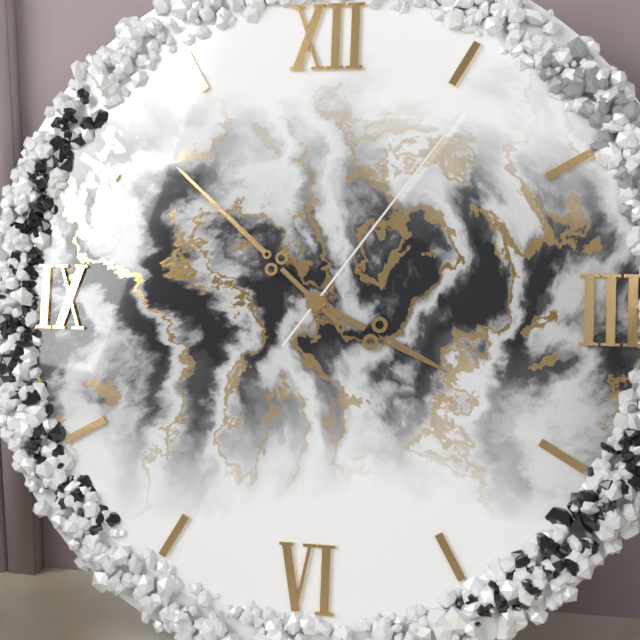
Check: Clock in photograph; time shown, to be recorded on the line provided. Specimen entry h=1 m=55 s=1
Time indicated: h=3 m=52 s=6
